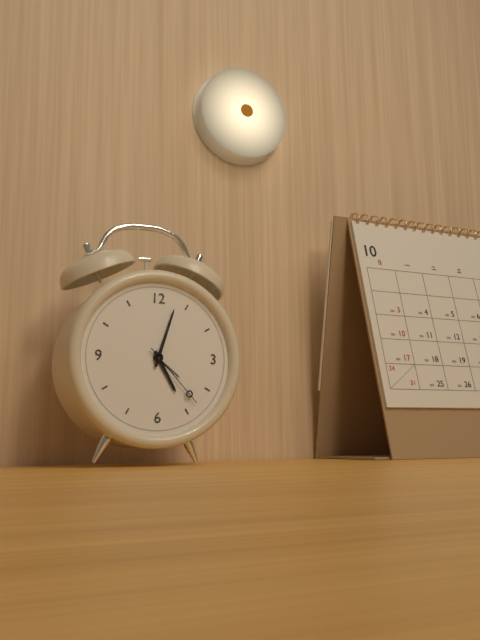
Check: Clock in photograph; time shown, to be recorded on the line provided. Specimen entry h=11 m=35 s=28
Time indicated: h=5 m=3 s=23
